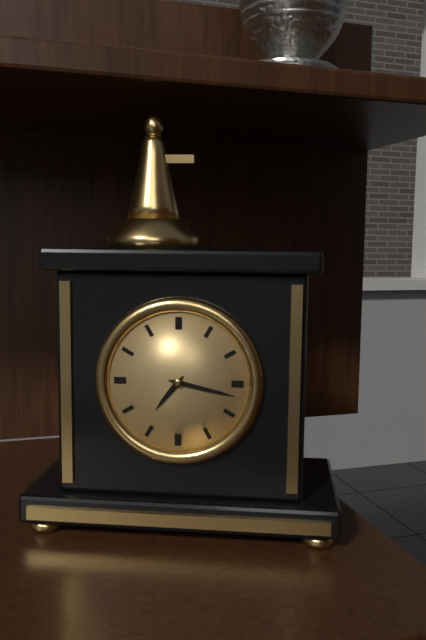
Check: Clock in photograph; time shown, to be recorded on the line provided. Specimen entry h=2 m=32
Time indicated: h=7 m=17
